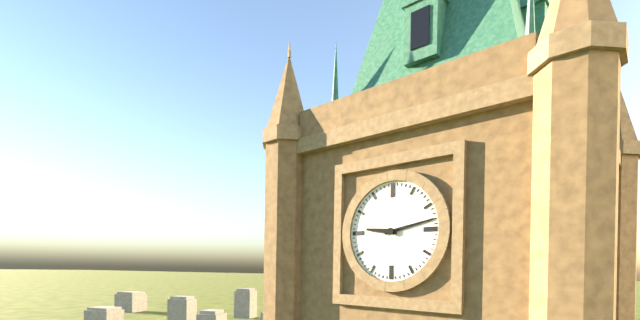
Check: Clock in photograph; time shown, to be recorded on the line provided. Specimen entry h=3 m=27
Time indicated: h=9 m=13
